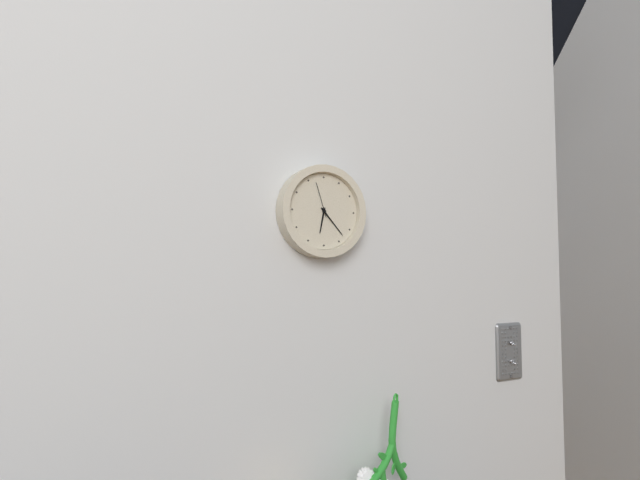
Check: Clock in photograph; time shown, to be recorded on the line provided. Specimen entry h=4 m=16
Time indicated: h=6 m=23
